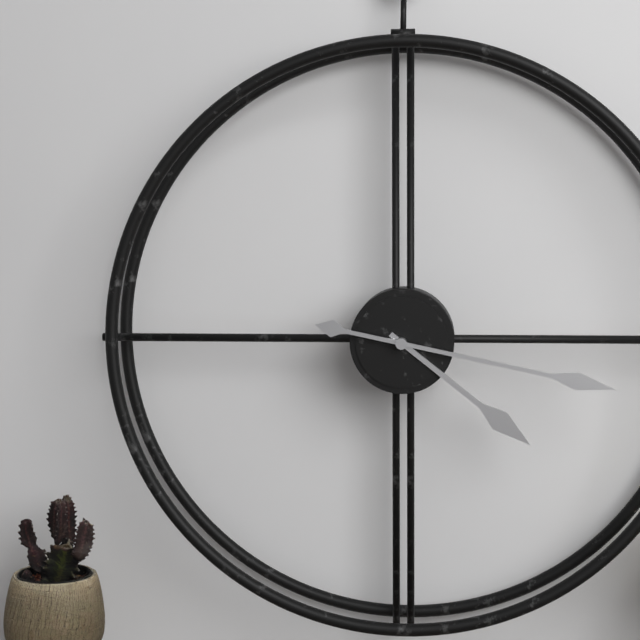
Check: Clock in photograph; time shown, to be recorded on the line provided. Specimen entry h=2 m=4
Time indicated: h=4 m=17
